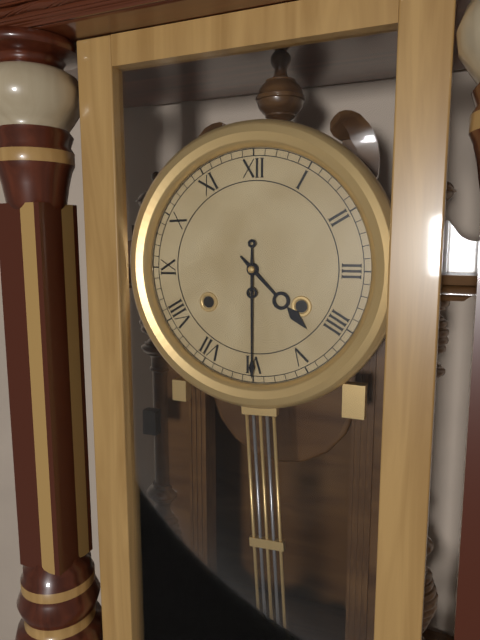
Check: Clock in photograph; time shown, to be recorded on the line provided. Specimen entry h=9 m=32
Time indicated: h=4 m=30
